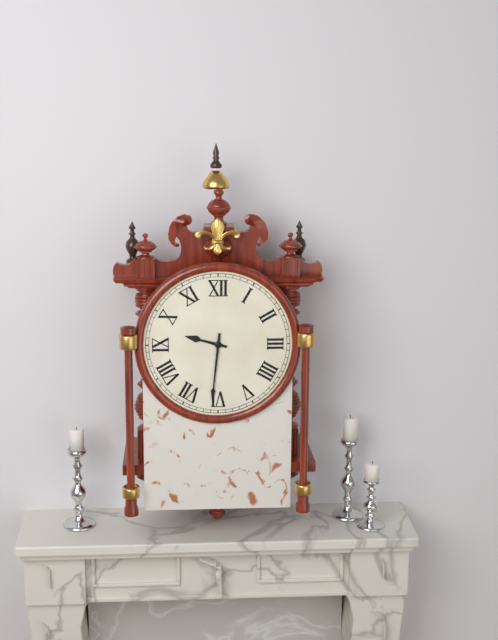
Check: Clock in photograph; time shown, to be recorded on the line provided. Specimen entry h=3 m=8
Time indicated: h=9 m=31
